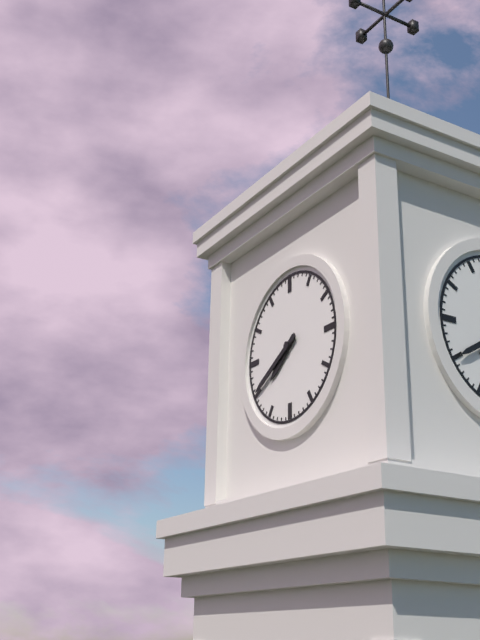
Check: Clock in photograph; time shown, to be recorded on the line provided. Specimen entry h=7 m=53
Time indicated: h=7 m=40
